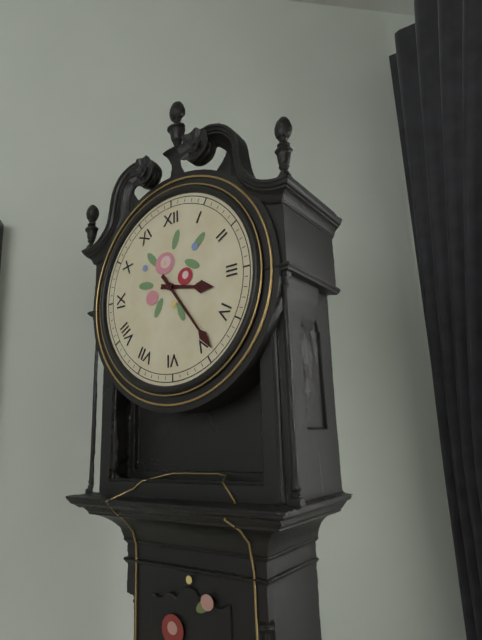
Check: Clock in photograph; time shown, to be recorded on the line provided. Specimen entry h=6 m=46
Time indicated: h=3 m=24
